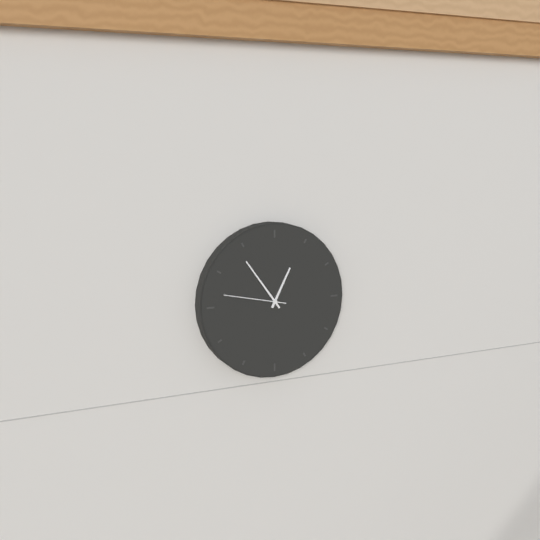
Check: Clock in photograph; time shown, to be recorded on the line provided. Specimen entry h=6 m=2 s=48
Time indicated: h=12 m=54 s=47
